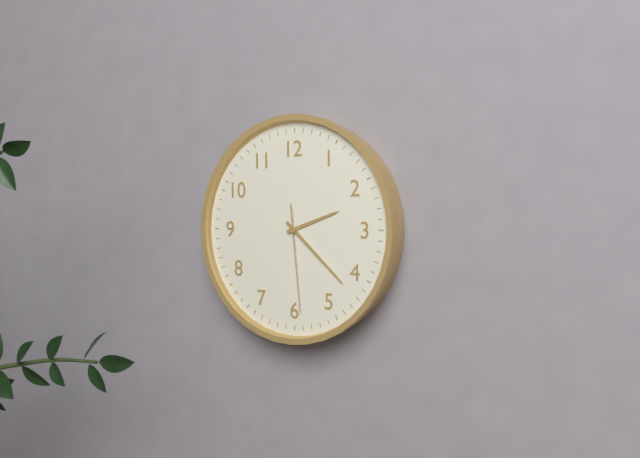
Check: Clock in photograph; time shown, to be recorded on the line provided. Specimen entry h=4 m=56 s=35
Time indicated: h=2 m=22 s=29
